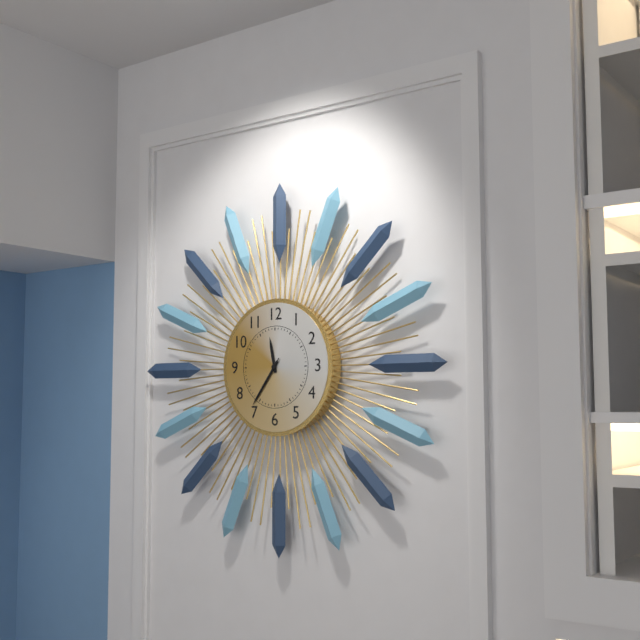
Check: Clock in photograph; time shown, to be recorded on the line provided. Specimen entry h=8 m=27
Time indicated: h=11 m=36
